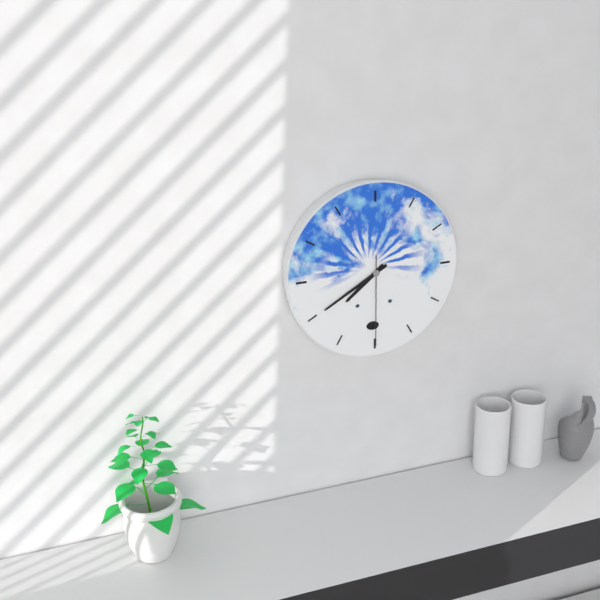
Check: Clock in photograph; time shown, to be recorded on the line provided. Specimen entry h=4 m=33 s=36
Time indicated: h=7 m=40 s=30
